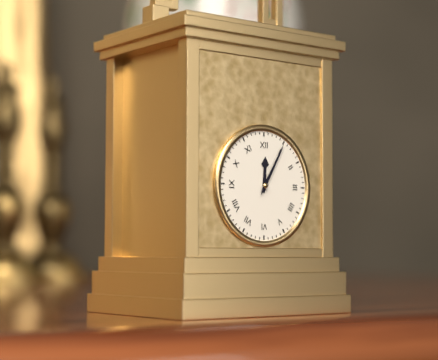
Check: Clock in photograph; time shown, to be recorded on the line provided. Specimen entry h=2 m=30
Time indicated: h=12 m=5
